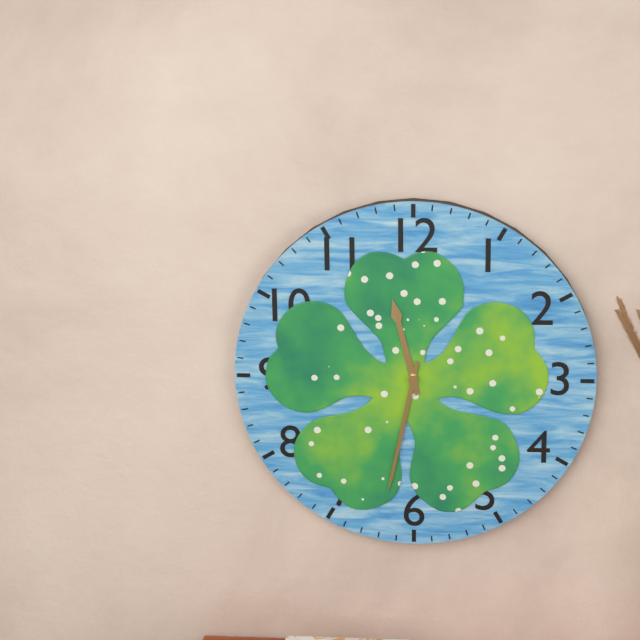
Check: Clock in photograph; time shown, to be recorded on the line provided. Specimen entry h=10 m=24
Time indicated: h=11 m=32
